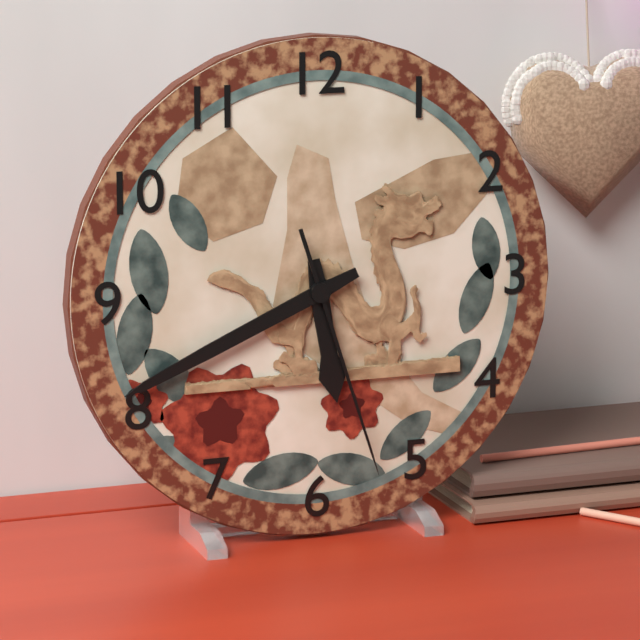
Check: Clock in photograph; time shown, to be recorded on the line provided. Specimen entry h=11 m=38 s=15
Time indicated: h=5 m=41 s=27
